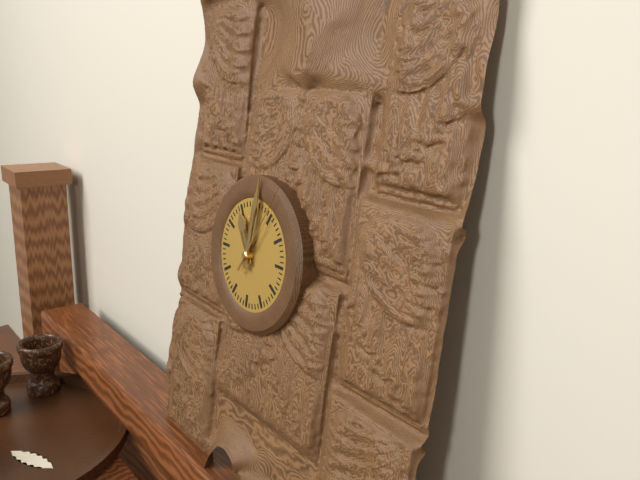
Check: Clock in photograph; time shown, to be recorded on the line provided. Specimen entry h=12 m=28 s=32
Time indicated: h=11 m=1 s=5
